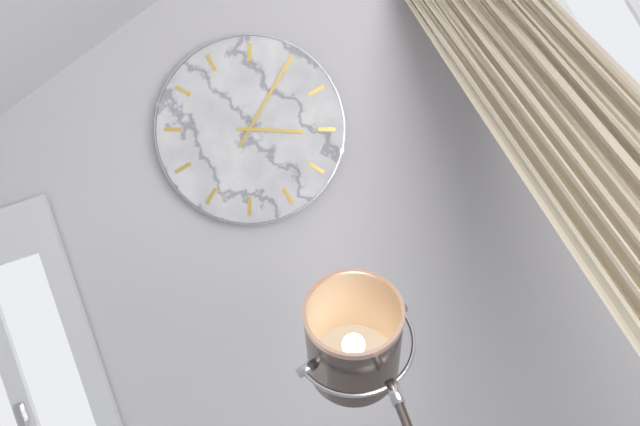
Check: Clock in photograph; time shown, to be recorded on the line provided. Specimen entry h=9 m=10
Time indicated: h=3 m=5
